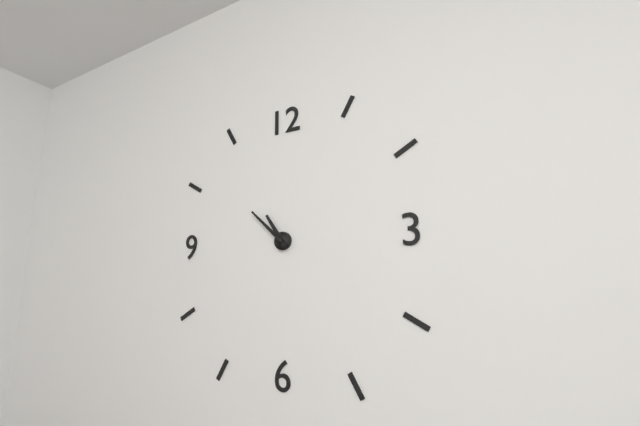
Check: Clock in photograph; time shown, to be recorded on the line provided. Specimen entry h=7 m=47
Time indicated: h=10 m=52
